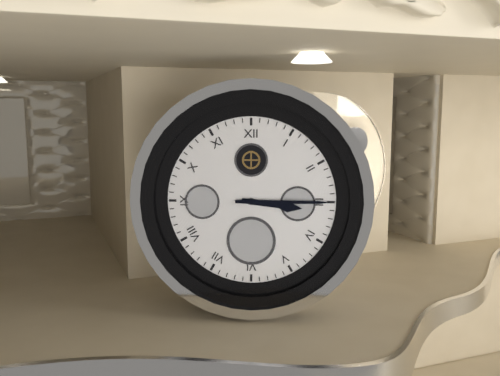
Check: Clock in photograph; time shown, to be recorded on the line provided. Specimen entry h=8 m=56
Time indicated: h=3 m=15
